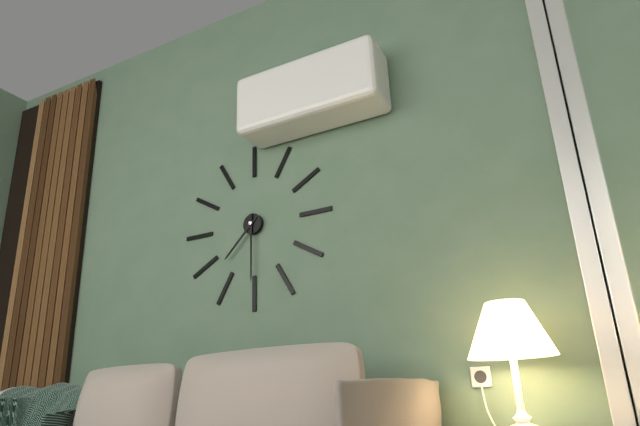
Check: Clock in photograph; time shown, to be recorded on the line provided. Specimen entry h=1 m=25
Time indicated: h=7 m=30
